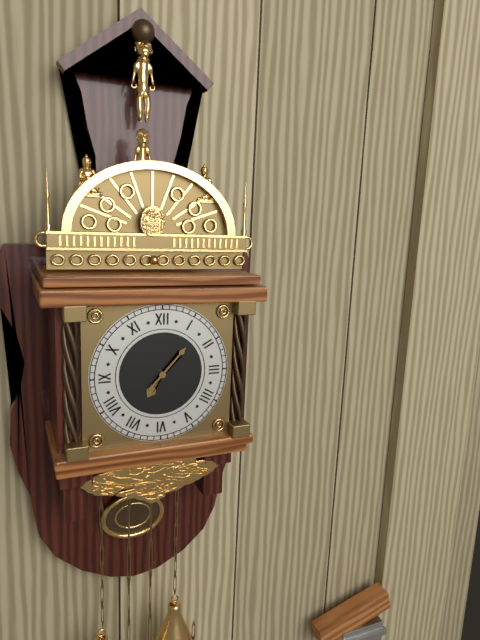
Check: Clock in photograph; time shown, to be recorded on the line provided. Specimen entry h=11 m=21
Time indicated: h=7 m=7
